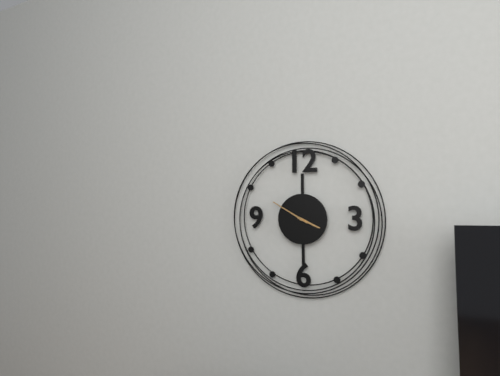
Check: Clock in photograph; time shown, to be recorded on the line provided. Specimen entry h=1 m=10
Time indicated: h=3 m=50
